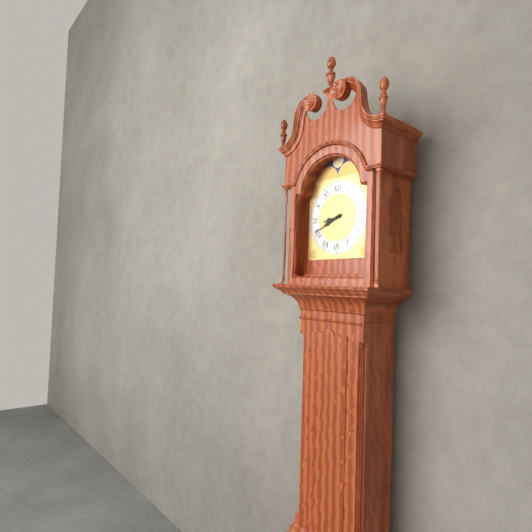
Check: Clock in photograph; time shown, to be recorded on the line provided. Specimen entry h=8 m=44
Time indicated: h=8 m=41
